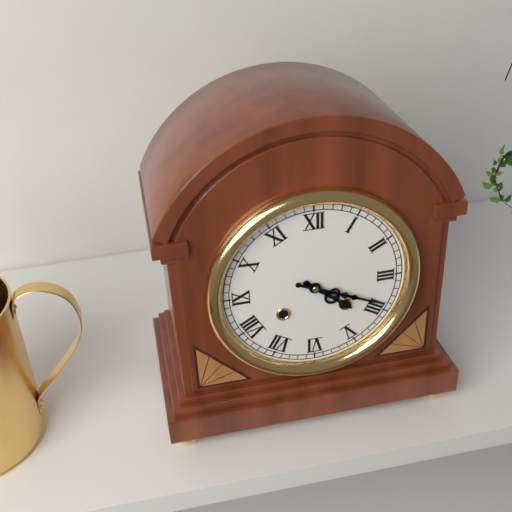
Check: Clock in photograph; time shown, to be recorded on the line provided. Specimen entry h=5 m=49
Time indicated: h=4 m=19
